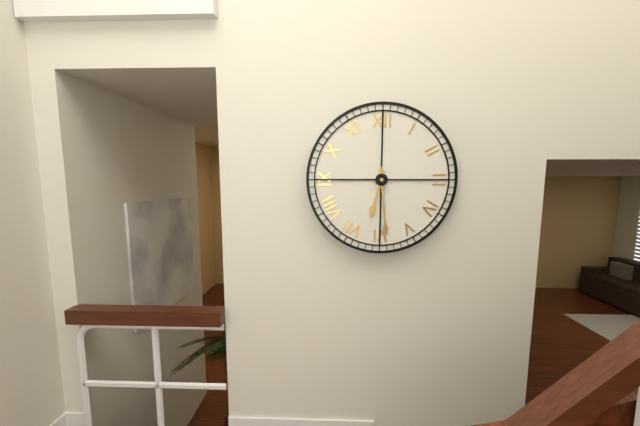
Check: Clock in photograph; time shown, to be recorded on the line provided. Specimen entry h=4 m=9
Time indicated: h=6 m=29
